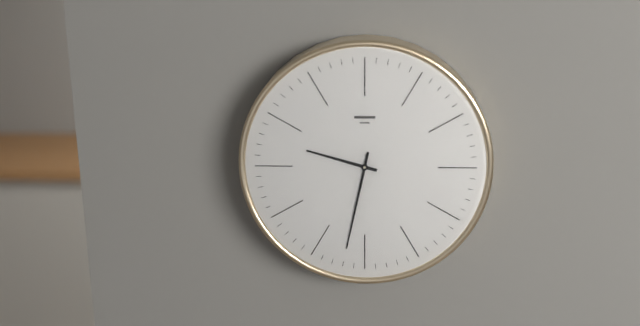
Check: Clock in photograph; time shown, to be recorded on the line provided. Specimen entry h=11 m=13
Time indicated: h=9 m=32
